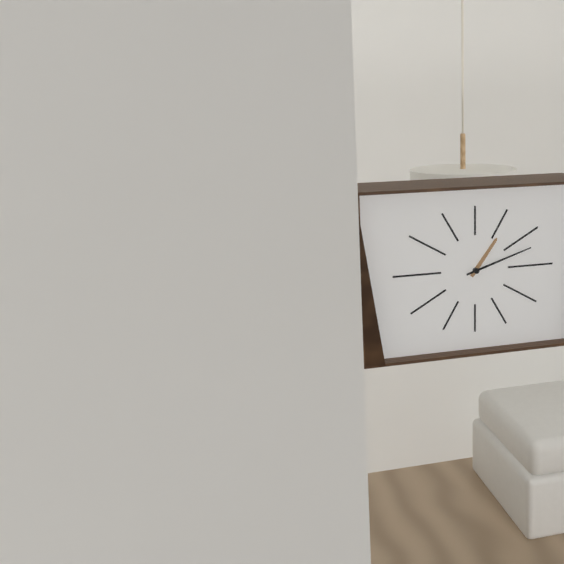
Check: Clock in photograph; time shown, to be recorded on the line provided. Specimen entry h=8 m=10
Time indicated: h=1 m=12
